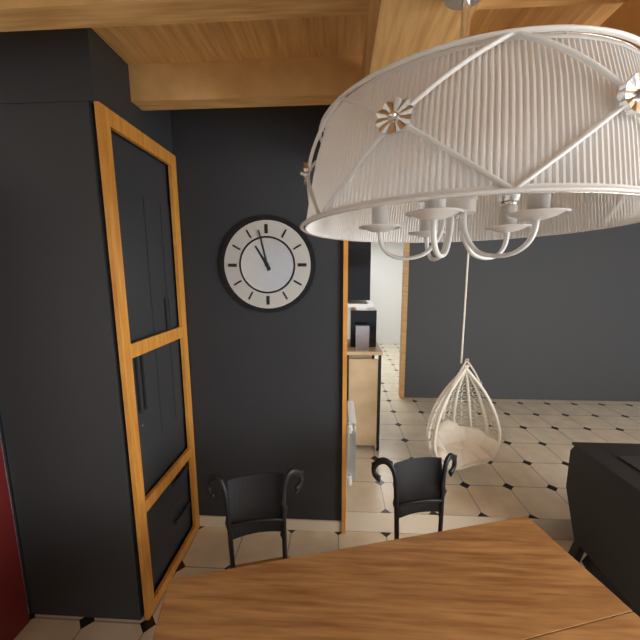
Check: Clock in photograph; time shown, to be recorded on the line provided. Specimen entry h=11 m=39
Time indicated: h=10 m=58
